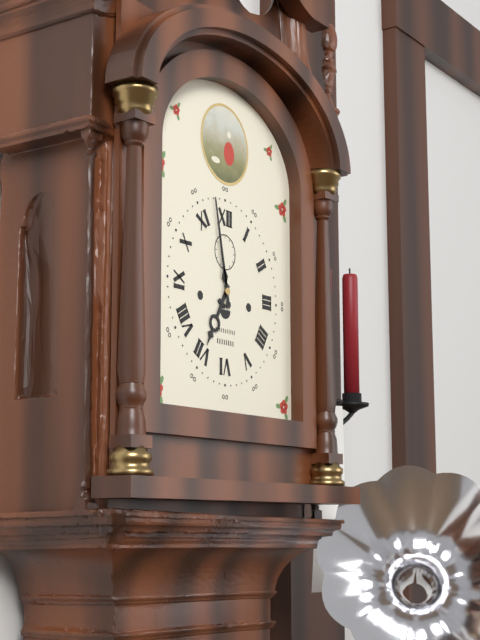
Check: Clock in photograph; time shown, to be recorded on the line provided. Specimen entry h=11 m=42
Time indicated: h=6 m=58
